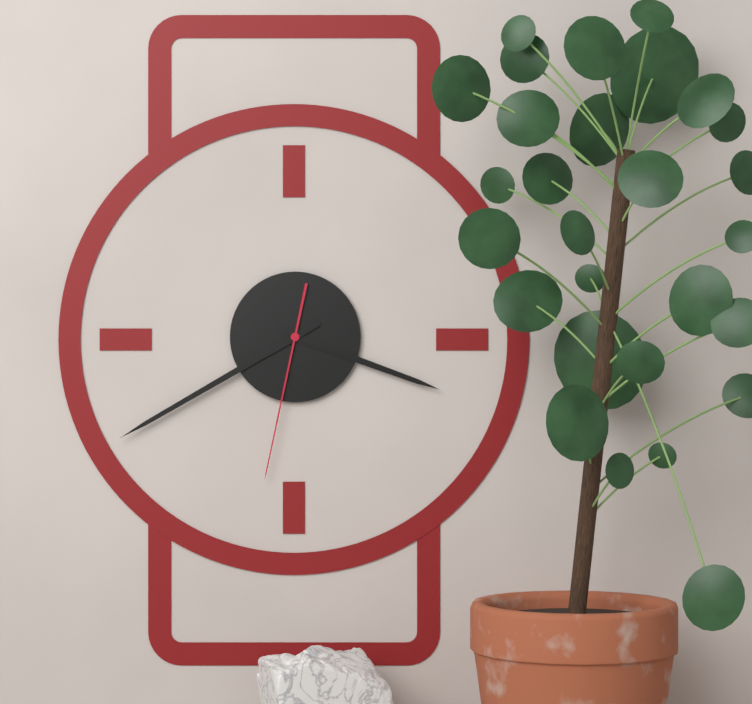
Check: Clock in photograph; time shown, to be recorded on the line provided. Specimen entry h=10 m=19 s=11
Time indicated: h=3 m=40 s=32
